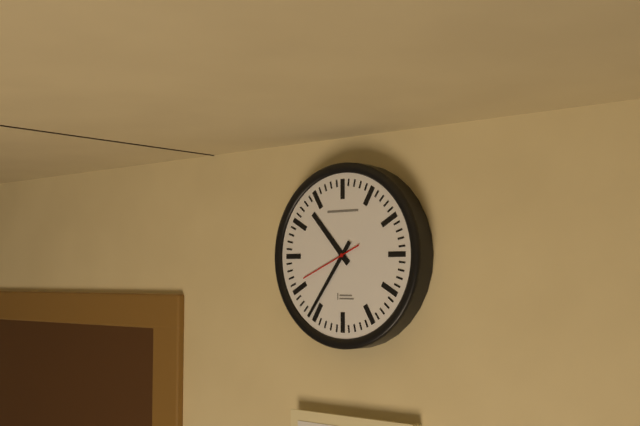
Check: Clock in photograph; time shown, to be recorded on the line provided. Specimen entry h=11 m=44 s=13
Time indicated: h=10 m=36 s=41
